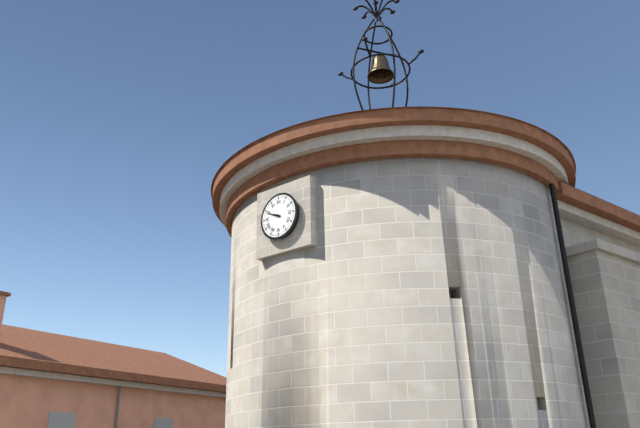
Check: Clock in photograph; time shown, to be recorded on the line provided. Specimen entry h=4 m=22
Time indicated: h=9 m=49
